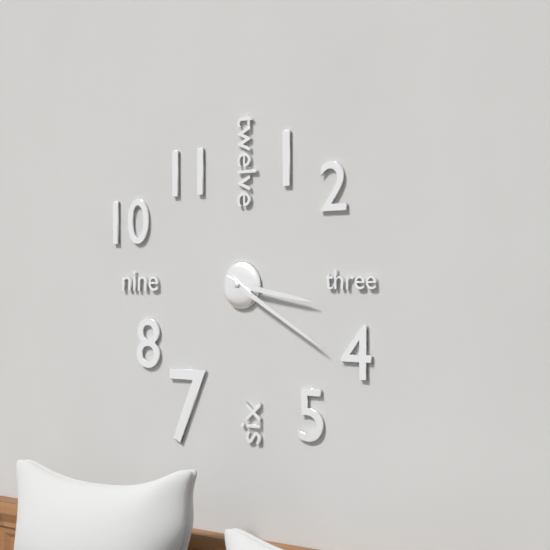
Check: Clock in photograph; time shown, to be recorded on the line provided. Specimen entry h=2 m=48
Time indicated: h=3 m=20
